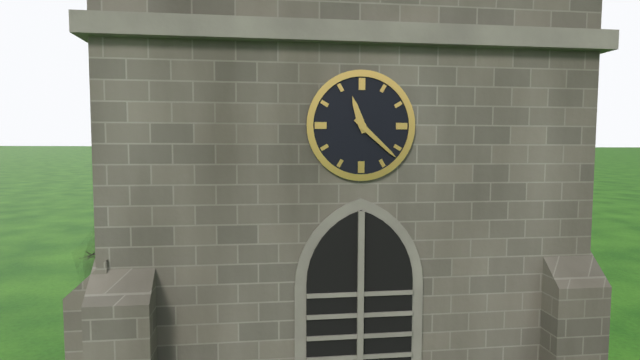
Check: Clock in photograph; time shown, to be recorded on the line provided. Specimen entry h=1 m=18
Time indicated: h=11 m=22
